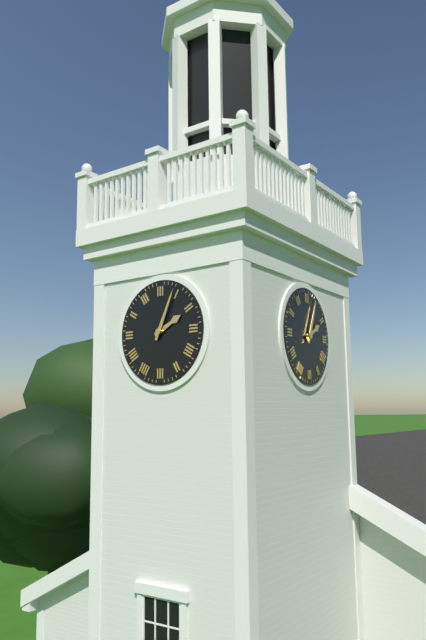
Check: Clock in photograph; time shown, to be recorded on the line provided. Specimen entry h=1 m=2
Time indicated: h=2 m=4
